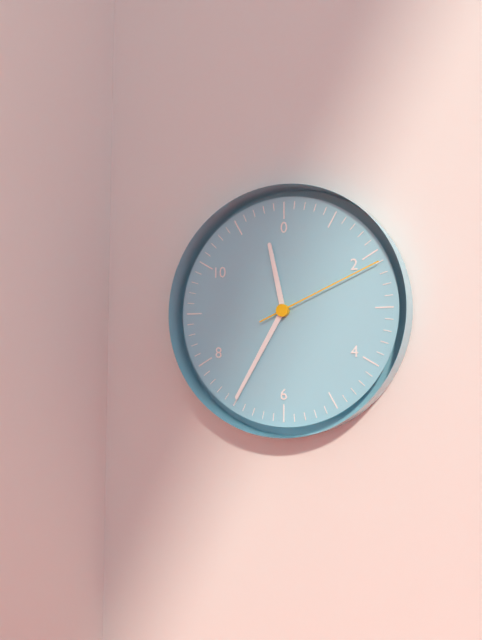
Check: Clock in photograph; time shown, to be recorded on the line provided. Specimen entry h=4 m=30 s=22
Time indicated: h=11 m=35 s=11
